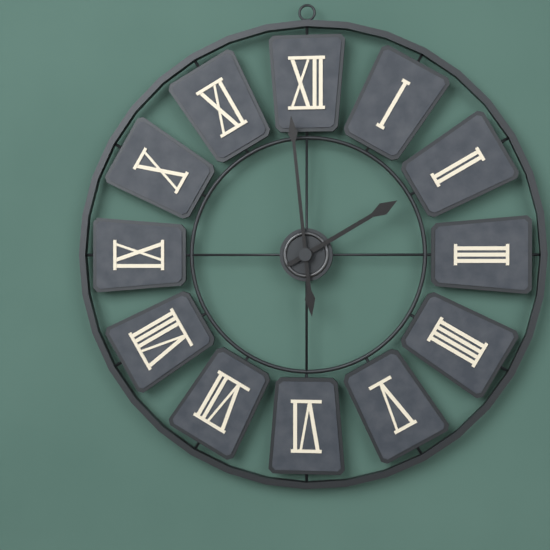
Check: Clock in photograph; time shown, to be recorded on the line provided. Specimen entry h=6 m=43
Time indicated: h=1 m=59
